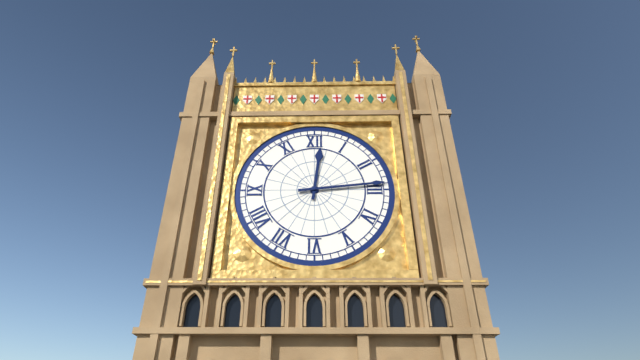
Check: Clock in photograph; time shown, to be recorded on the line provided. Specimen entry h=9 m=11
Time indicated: h=12 m=14
